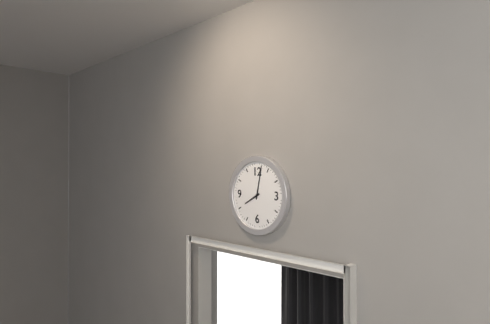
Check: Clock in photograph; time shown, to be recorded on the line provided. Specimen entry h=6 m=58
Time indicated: h=8 m=2
